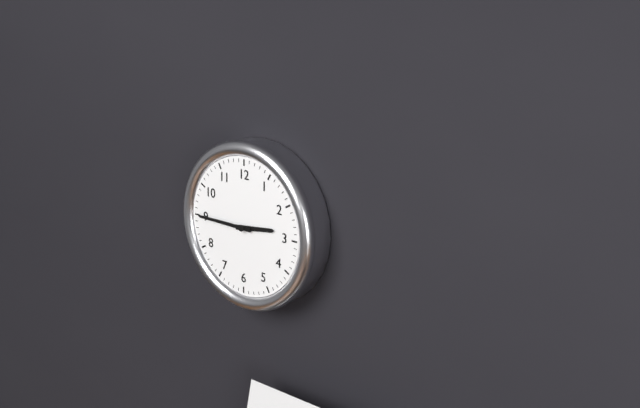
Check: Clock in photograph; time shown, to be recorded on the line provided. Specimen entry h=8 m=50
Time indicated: h=2 m=45
